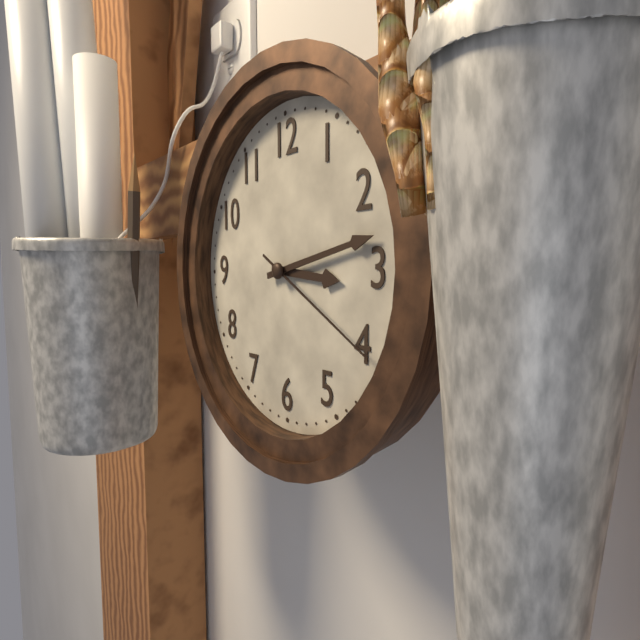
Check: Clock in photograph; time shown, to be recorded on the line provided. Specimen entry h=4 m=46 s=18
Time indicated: h=3 m=13 s=20
